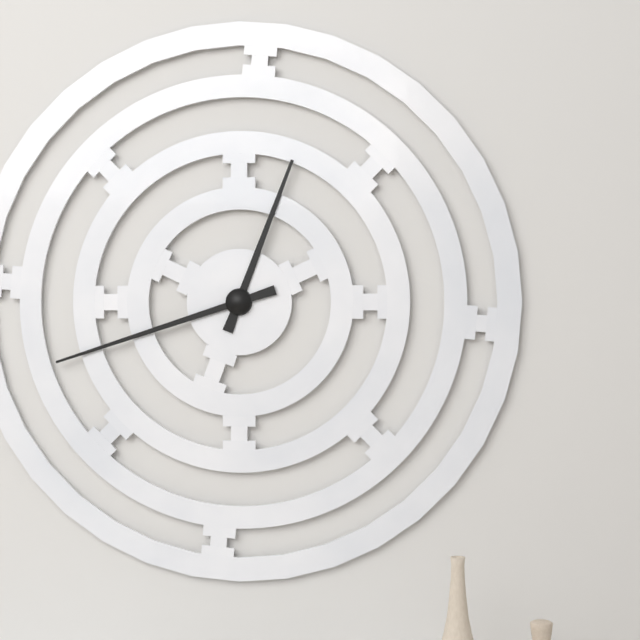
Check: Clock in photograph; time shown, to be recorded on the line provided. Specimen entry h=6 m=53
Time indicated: h=12 m=42
